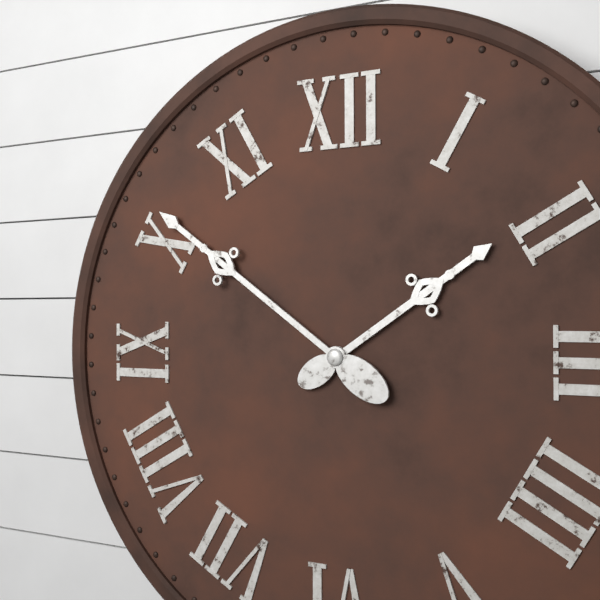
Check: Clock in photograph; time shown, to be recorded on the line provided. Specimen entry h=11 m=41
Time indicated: h=1 m=51
